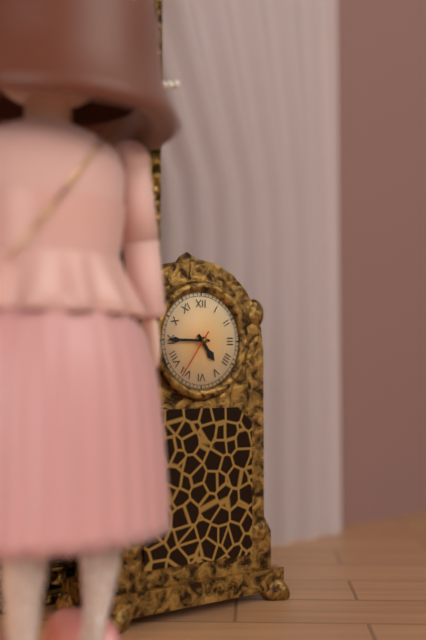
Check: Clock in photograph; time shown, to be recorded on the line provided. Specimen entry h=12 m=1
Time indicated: h=4 m=45
